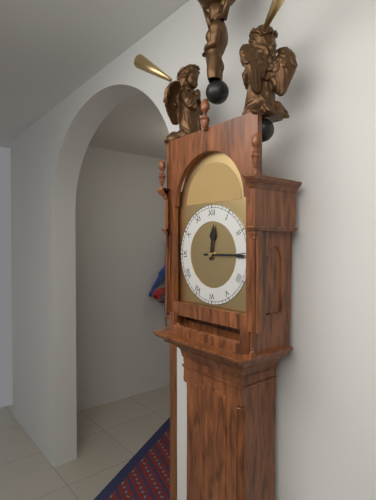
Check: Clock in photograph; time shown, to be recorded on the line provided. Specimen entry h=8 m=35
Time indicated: h=12 m=15
